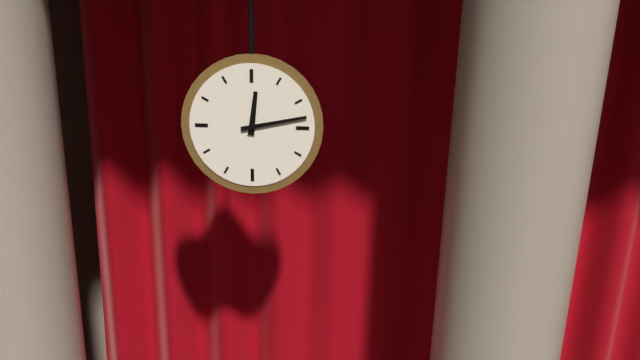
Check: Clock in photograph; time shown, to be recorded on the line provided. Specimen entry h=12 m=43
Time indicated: h=12 m=13
